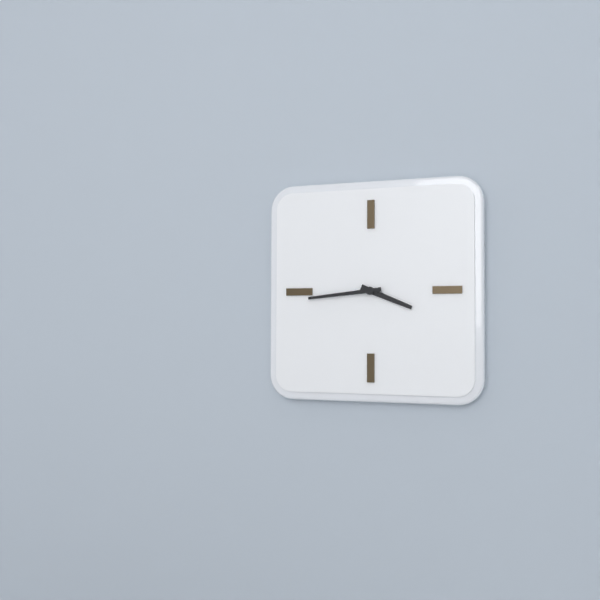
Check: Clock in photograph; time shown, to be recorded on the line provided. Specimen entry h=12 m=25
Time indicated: h=3 m=44
